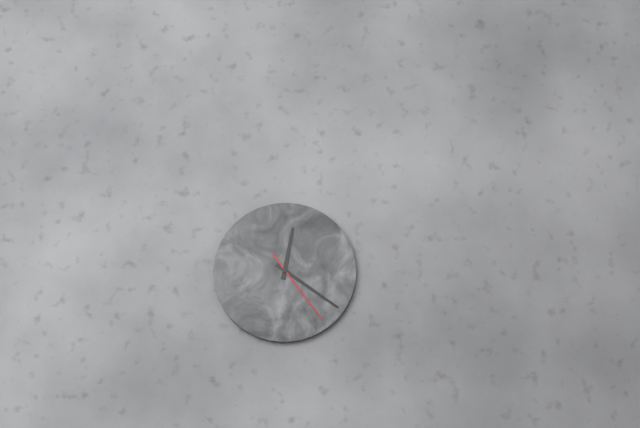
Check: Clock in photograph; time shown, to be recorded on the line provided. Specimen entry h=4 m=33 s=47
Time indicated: h=12 m=21 s=24
